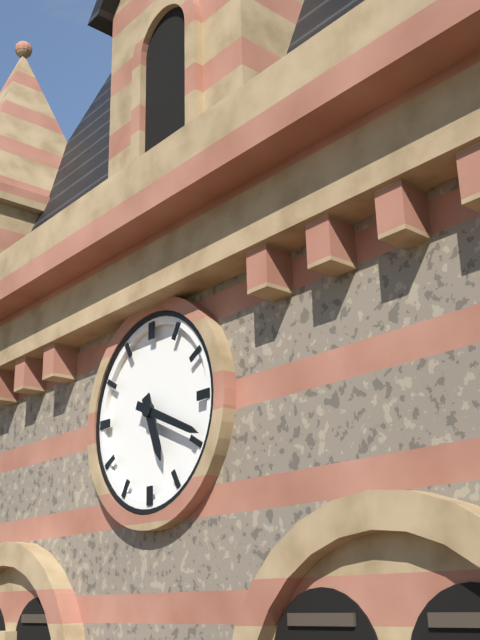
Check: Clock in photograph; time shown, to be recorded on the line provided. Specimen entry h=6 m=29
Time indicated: h=5 m=19
